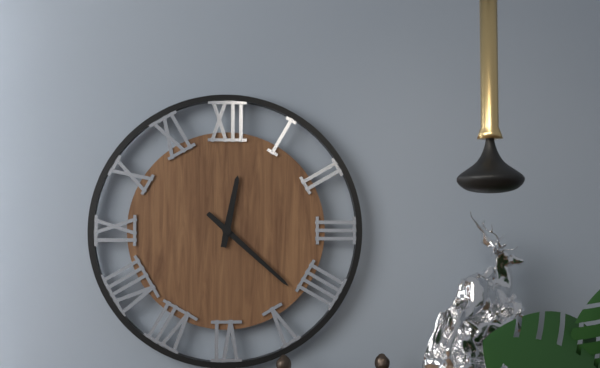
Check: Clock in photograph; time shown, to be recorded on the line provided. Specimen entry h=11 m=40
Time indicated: h=12 m=22
